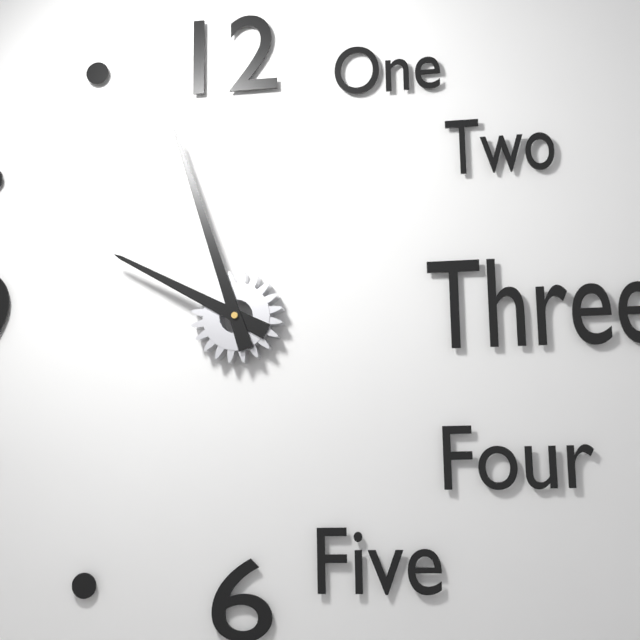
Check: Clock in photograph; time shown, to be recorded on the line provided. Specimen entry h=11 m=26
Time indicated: h=9 m=57
